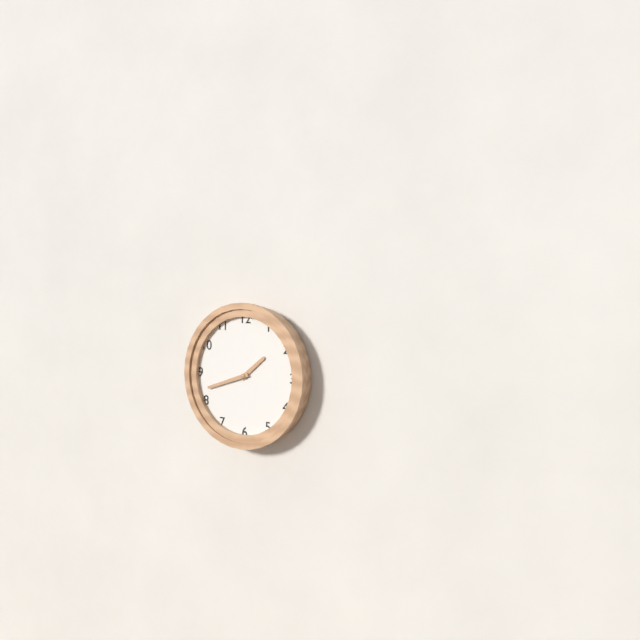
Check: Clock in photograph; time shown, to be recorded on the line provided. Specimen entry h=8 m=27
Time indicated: h=1 m=42
